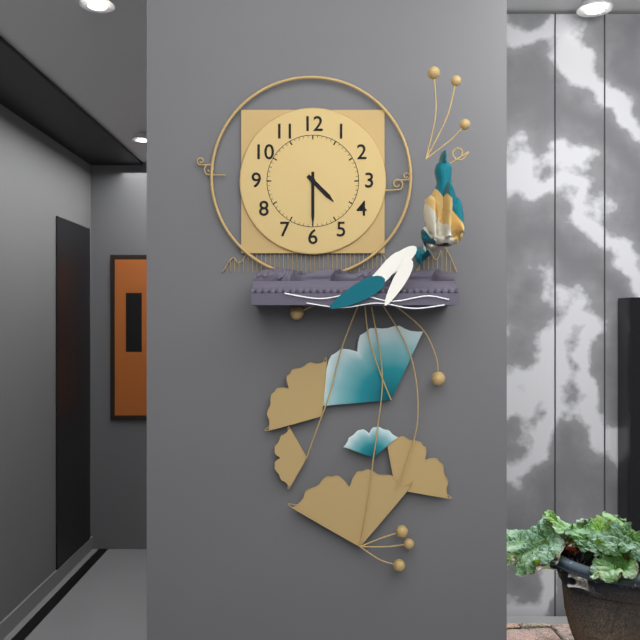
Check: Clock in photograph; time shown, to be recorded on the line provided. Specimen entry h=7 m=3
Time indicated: h=4 m=30
